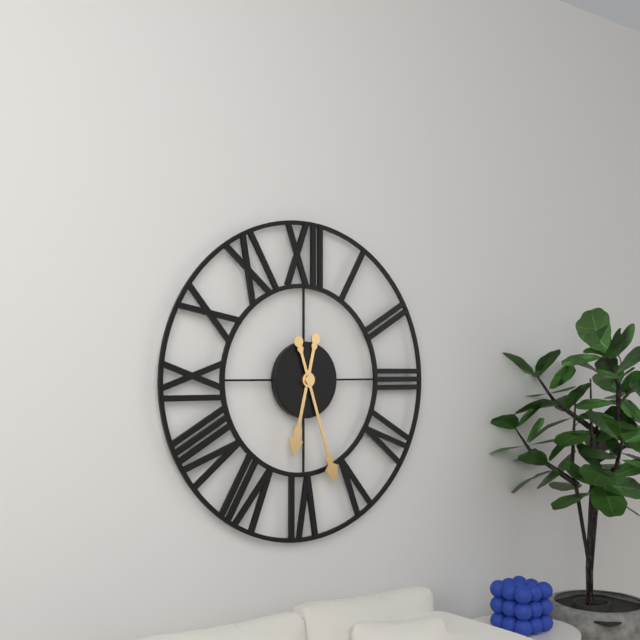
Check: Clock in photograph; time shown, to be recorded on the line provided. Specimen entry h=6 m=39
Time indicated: h=6 m=27
